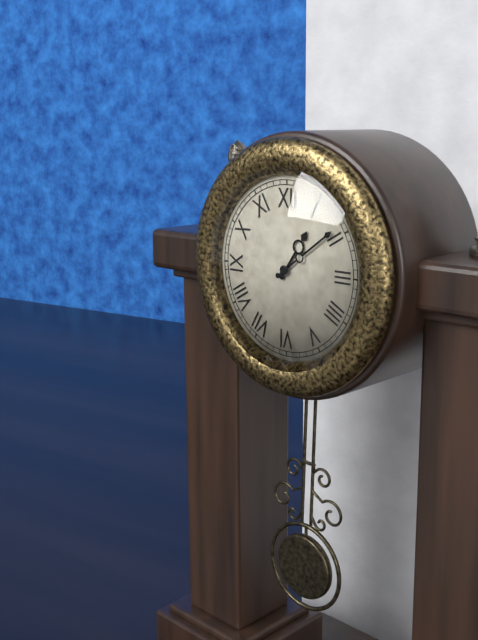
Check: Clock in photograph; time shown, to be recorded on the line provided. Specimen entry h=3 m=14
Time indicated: h=1 m=9
